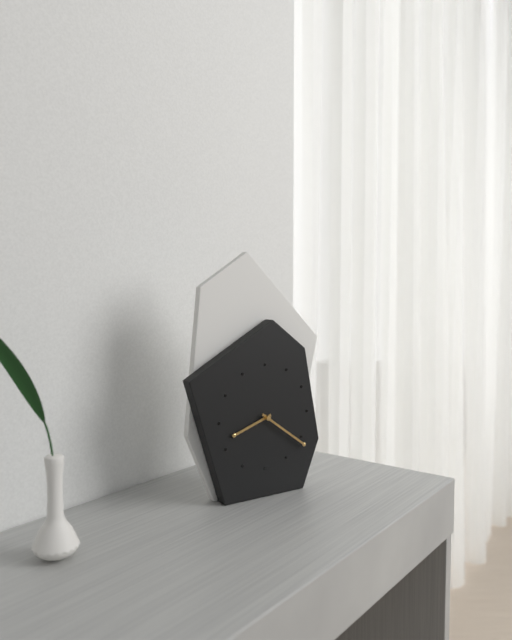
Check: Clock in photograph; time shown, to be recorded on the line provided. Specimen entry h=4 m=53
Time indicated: h=8 m=21
